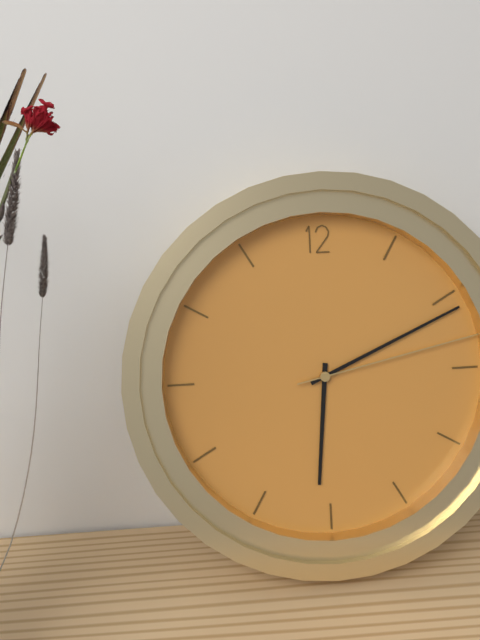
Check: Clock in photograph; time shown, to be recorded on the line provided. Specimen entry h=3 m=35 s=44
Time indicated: h=6 m=11 s=13
